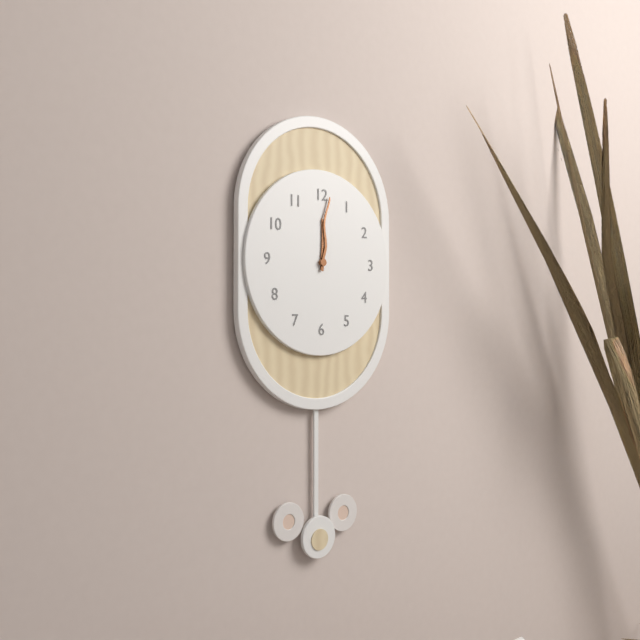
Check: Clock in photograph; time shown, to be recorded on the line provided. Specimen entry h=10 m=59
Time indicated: h=12 m=1
